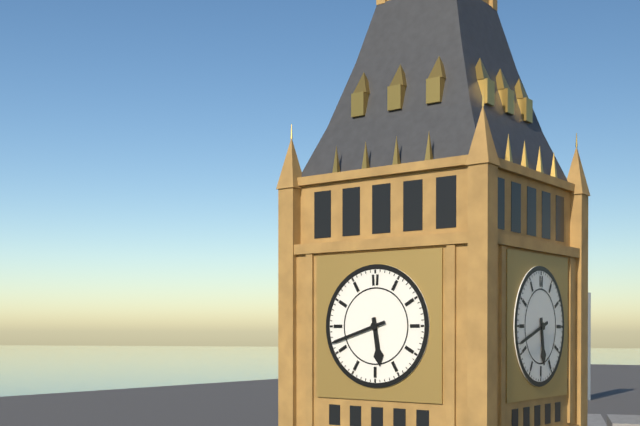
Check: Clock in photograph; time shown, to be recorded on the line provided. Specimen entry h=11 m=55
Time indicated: h=5 m=42
